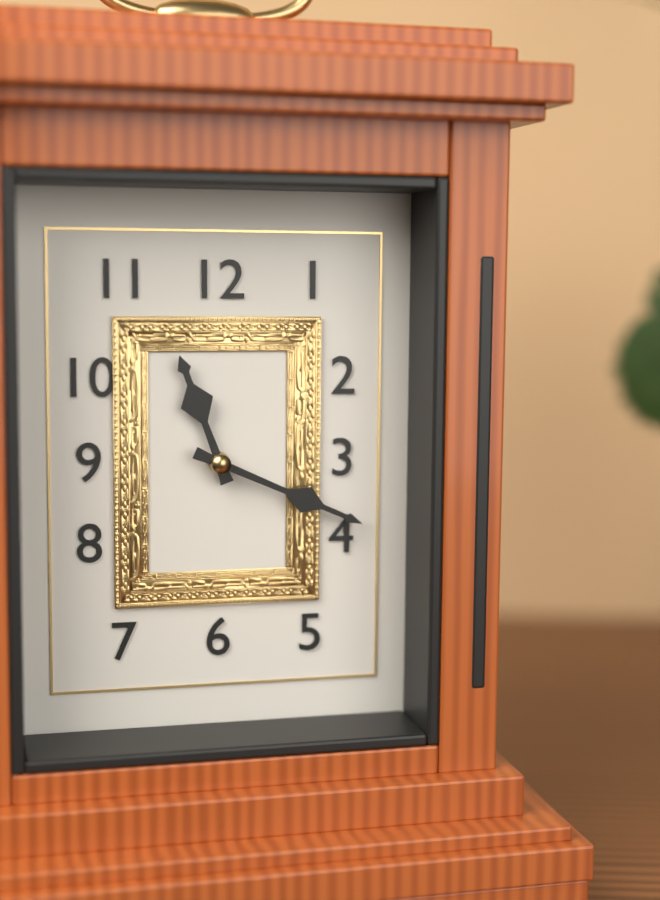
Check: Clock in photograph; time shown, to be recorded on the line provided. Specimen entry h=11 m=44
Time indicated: h=11 m=19
